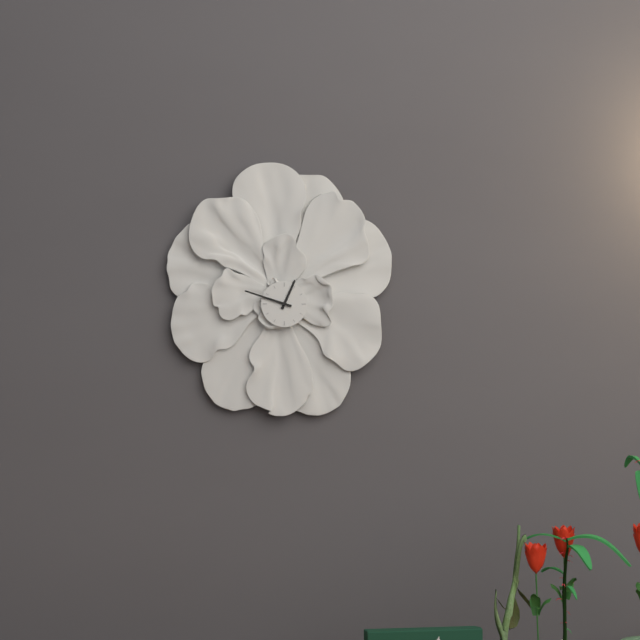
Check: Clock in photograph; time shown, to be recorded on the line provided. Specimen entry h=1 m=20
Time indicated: h=12 m=48
